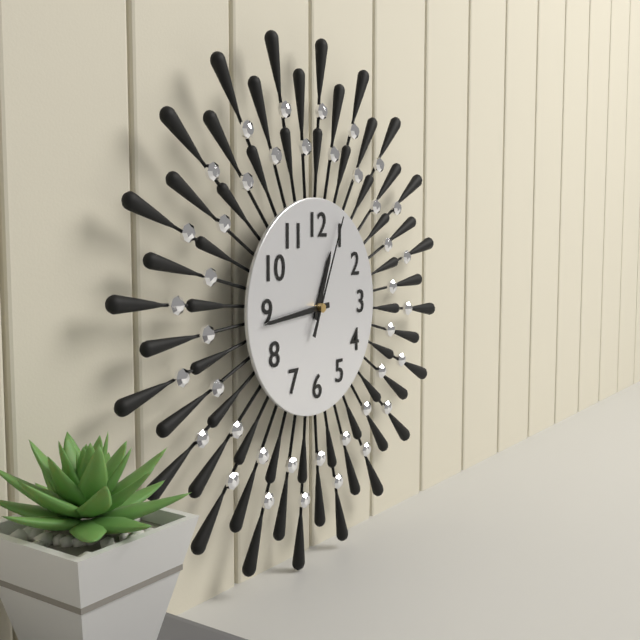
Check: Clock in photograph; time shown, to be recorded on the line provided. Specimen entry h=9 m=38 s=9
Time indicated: h=12 m=44 s=4
